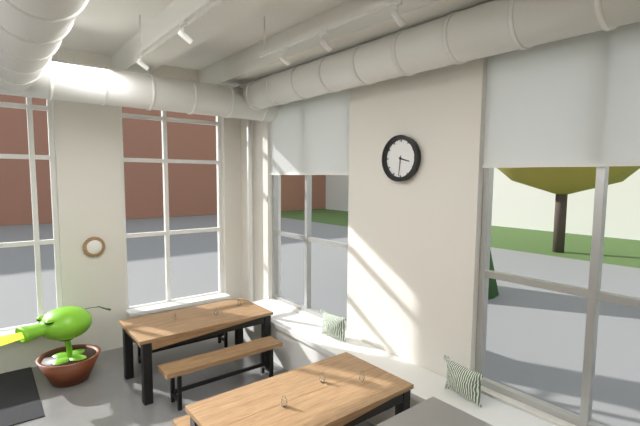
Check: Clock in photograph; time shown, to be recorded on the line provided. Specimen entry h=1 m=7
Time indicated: h=3 m=31
